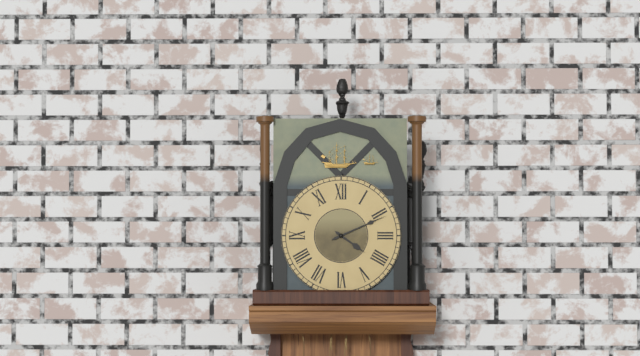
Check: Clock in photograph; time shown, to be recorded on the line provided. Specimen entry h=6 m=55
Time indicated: h=4 m=11
